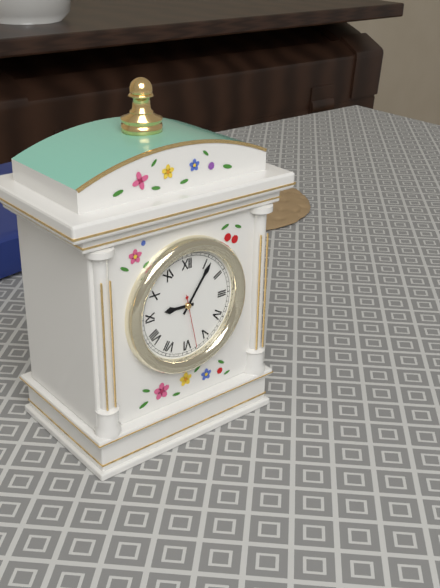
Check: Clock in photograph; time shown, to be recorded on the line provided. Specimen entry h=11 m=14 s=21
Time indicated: h=9 m=6 s=28
